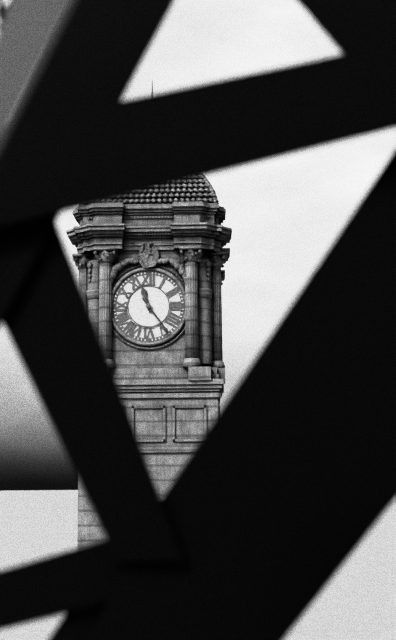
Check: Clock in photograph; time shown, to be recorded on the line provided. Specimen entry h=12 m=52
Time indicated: h=11 m=24
